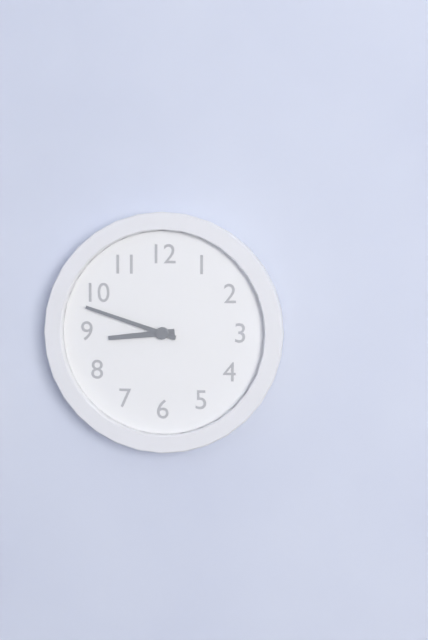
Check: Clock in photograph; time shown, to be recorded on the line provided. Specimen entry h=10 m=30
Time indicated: h=8 m=48
